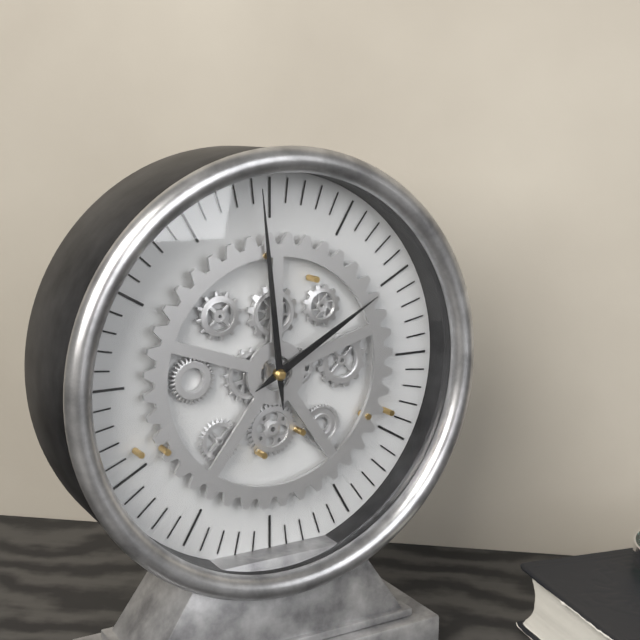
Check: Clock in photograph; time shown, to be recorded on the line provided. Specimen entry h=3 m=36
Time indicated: h=1 m=59
